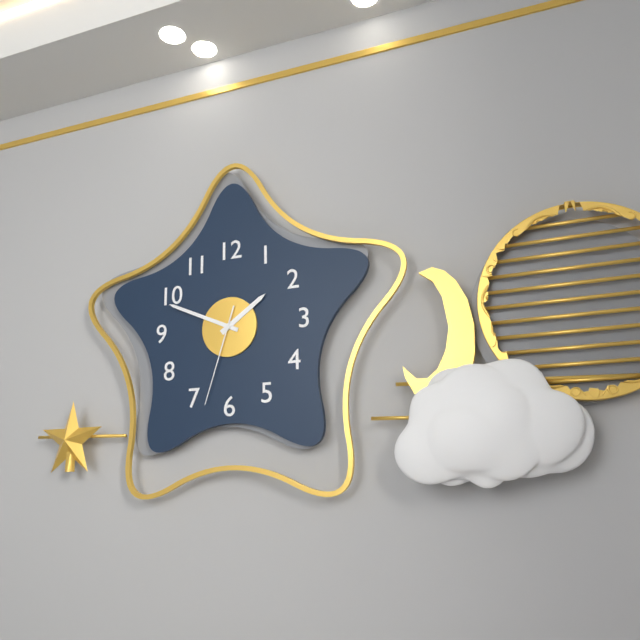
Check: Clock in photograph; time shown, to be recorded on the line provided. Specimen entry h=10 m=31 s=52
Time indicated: h=1 m=49 s=33
